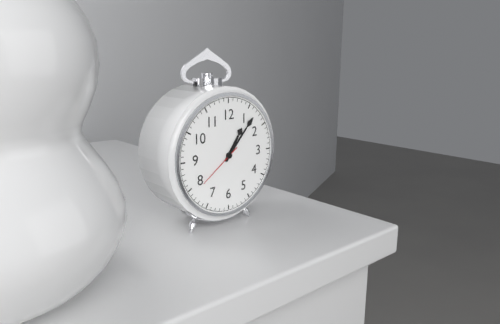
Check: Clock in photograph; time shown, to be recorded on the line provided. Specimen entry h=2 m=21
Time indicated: h=1 m=7
